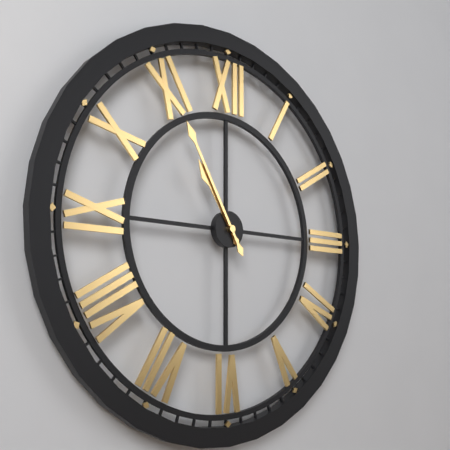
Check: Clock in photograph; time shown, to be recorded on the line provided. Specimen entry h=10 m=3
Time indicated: h=10 m=55
